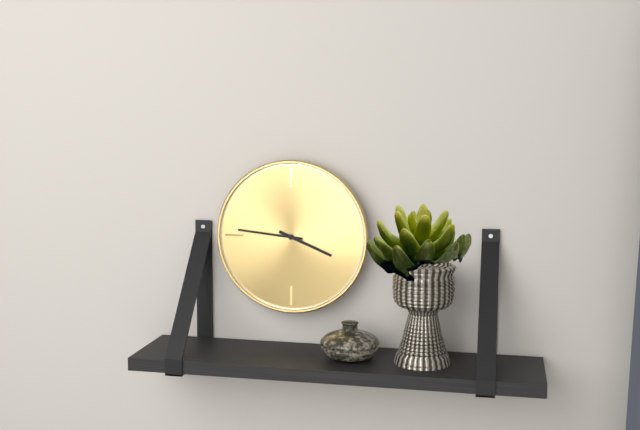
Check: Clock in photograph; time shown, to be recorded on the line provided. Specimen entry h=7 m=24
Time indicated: h=3 m=46
